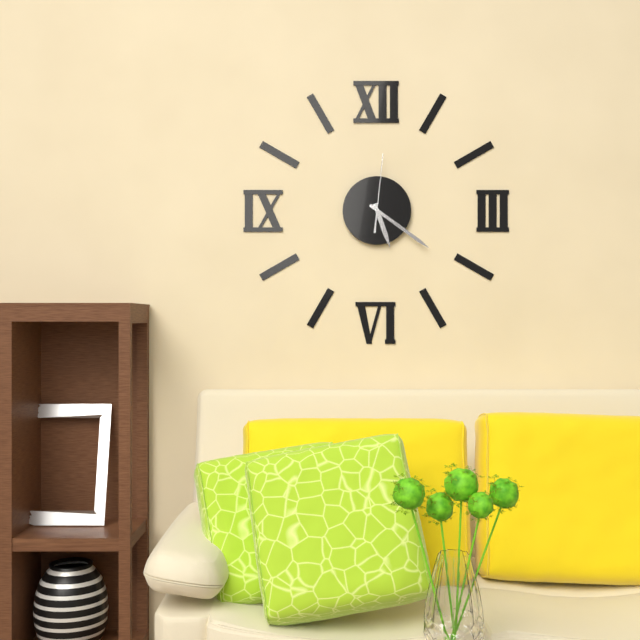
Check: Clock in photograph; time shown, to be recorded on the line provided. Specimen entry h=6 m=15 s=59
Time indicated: h=5 m=21 s=1
